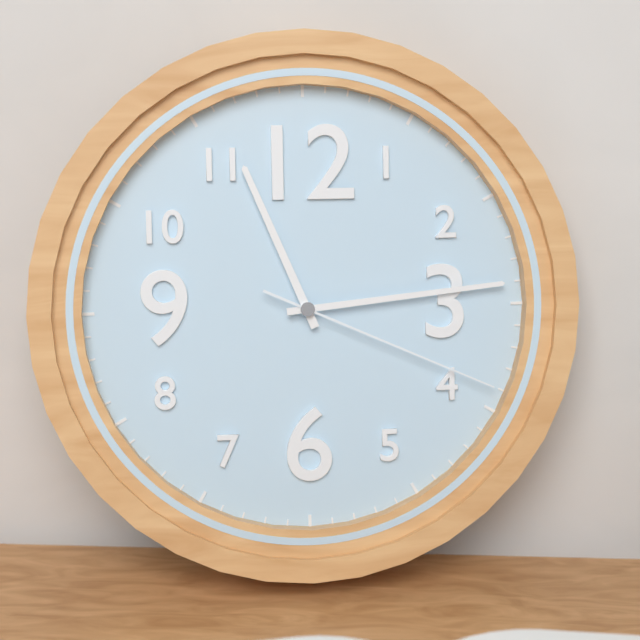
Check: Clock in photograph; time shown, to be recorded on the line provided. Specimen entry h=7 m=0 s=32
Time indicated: h=11 m=14 s=19
